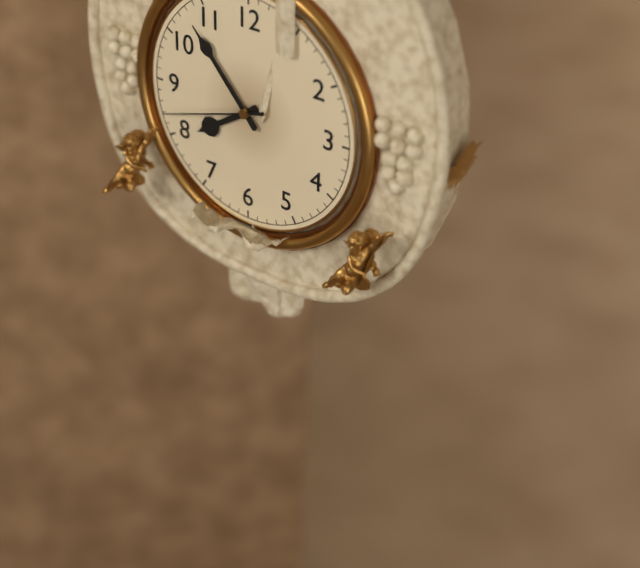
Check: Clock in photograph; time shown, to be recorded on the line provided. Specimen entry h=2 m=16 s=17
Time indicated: h=7 m=53 s=42
